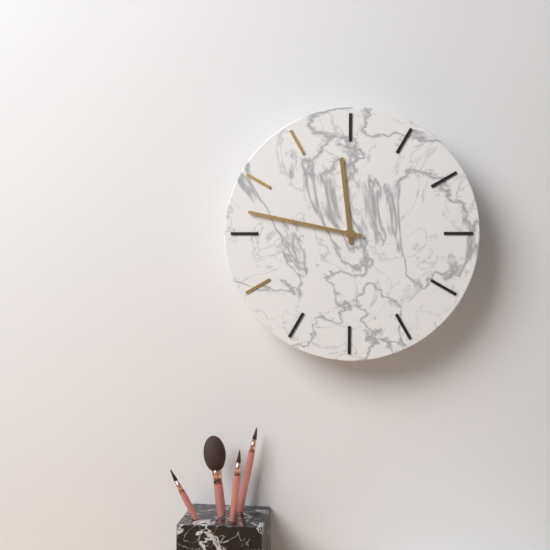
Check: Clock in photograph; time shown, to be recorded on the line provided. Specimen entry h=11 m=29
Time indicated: h=11 m=47
